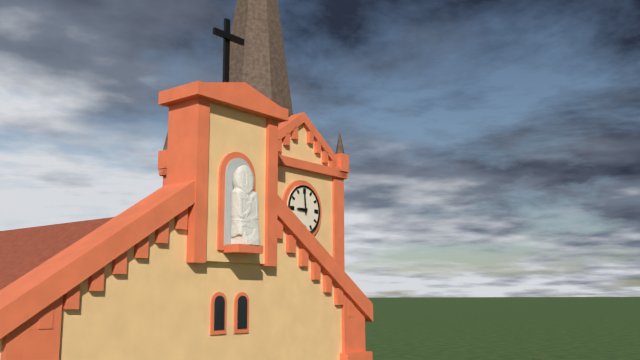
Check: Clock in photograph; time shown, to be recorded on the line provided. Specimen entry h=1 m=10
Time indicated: h=8 m=59
